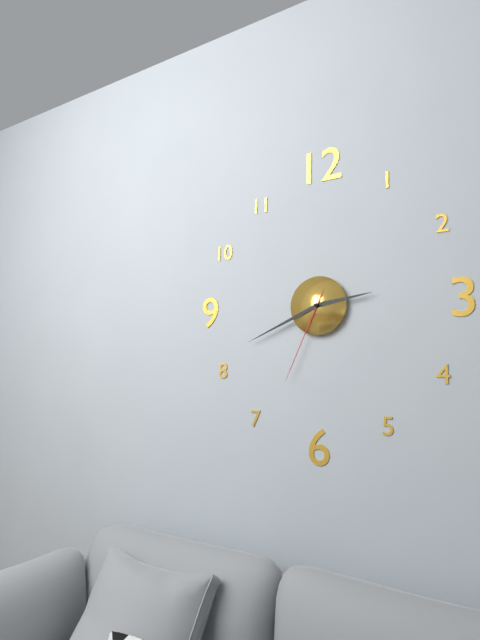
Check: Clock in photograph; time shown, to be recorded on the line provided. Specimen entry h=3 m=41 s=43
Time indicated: h=2 m=41 s=34
